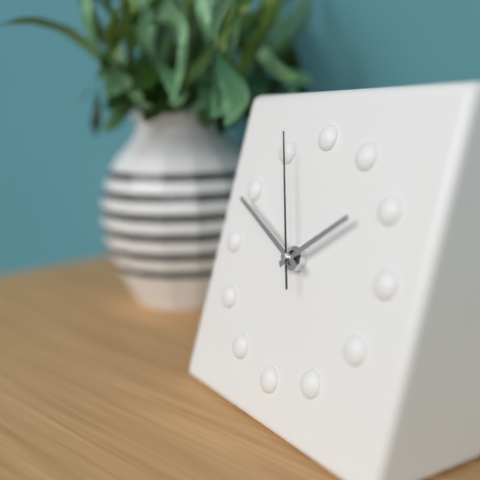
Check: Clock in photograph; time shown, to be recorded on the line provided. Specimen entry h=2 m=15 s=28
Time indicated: h=1 m=49 s=56
